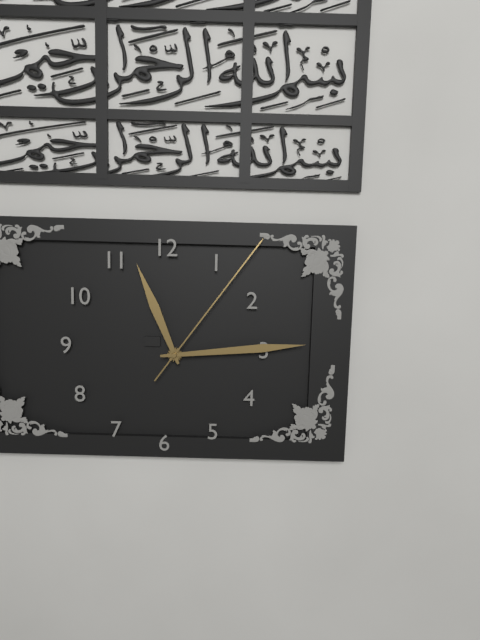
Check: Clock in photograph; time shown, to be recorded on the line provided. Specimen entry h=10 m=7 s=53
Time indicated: h=11 m=14 s=6
